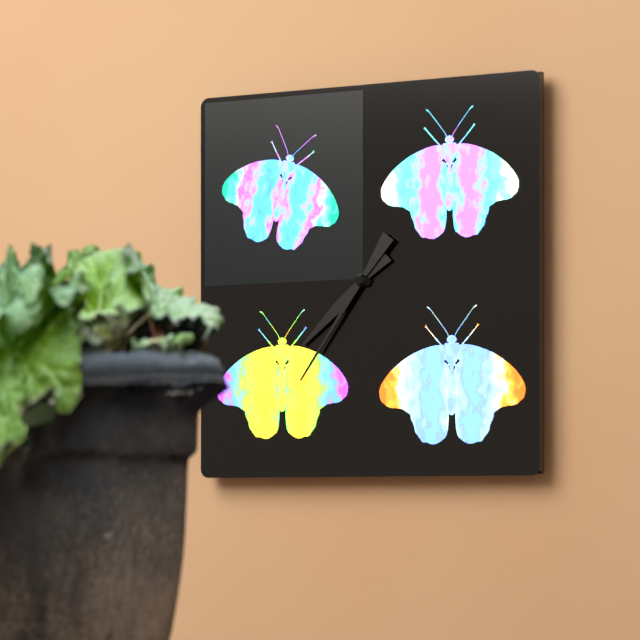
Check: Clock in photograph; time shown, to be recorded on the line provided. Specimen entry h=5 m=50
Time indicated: h=7 m=36
